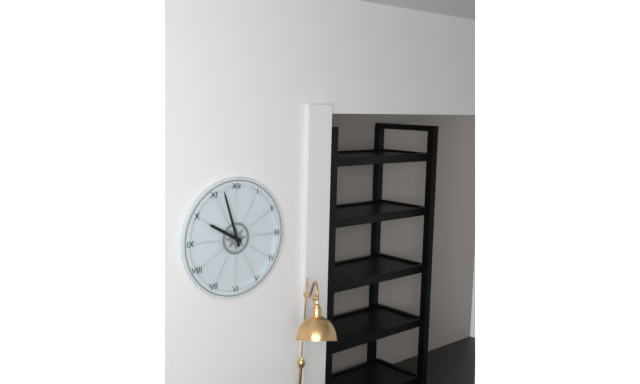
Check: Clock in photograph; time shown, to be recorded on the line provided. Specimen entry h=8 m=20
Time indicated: h=9 m=57
